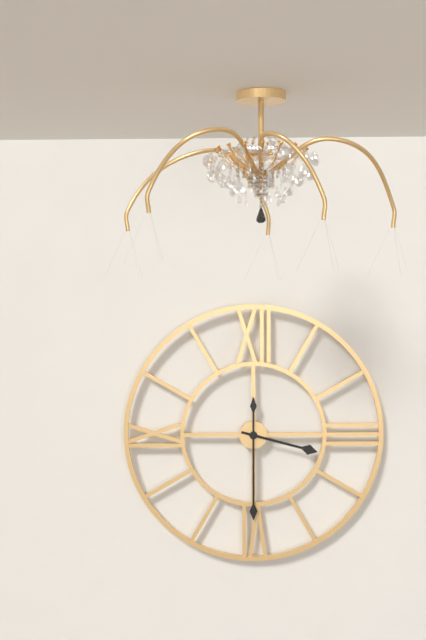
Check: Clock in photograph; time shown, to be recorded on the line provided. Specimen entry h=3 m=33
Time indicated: h=3 m=30
